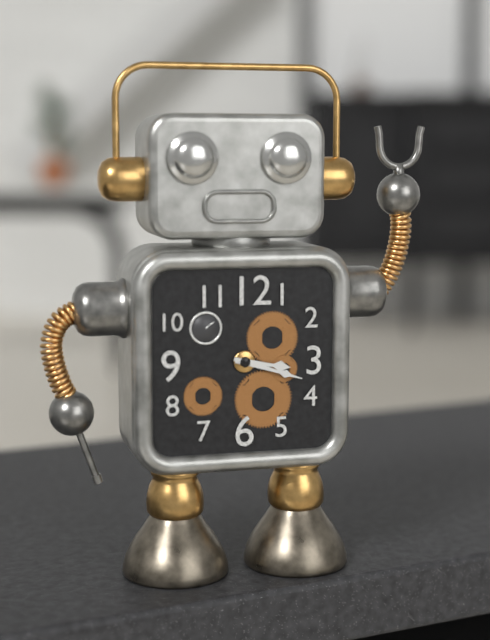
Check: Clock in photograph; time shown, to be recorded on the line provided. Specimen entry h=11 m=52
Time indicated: h=3 m=18
